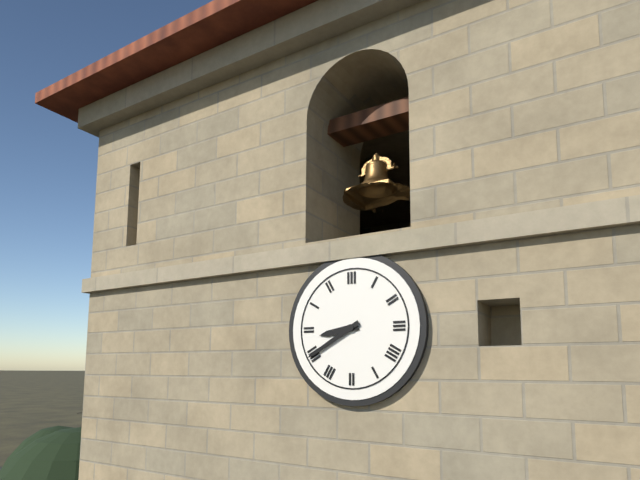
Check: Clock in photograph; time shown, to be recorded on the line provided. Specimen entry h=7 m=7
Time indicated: h=8 m=40
